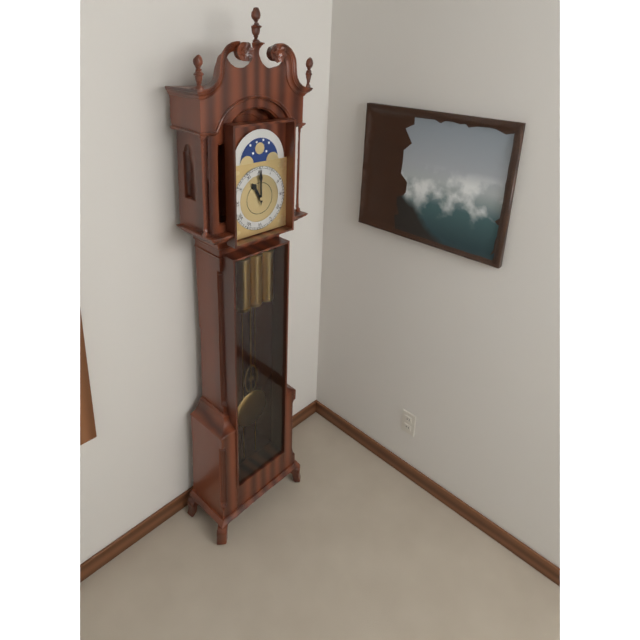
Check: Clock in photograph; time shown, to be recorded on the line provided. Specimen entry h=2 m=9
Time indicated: h=11 m=0
